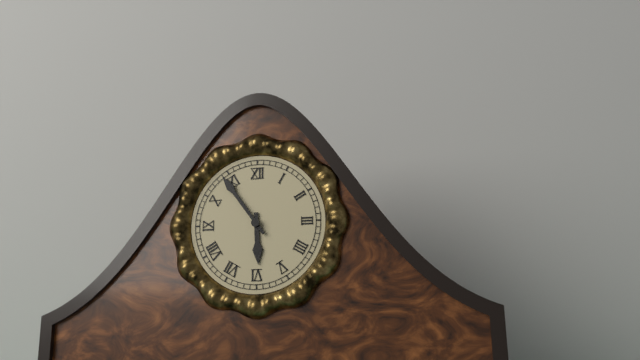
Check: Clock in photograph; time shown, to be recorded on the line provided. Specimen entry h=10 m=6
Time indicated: h=5 m=54
